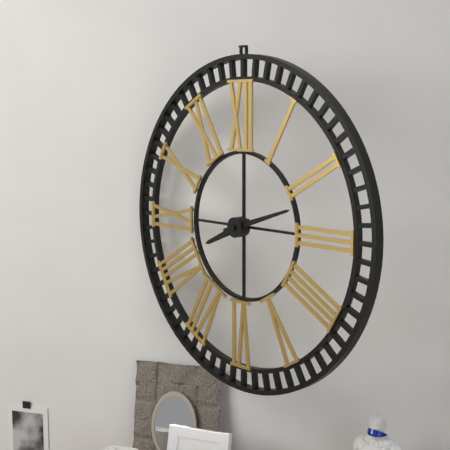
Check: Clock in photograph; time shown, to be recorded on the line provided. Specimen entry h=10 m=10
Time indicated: h=8 m=12
